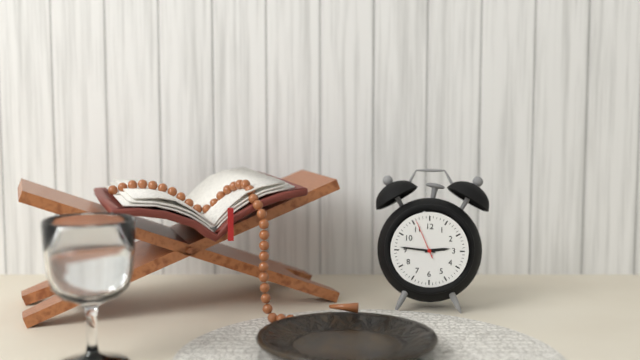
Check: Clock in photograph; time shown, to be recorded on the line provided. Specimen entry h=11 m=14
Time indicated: h=2 m=46
